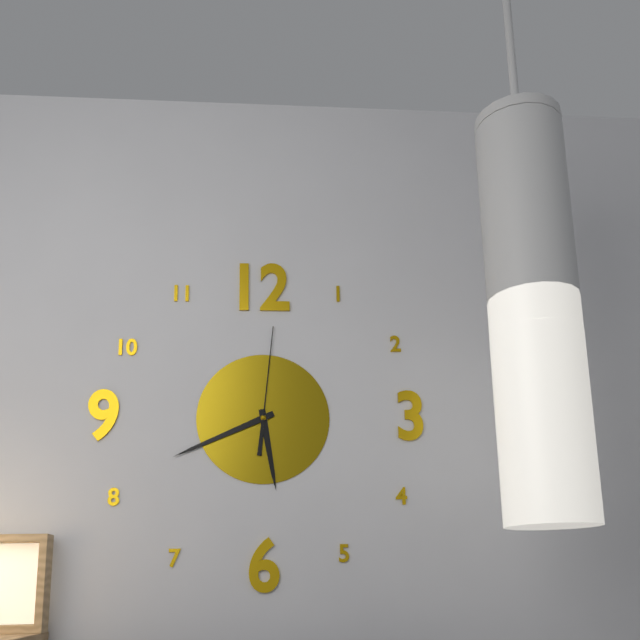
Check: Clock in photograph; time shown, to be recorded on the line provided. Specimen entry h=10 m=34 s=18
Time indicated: h=5 m=41 s=1
